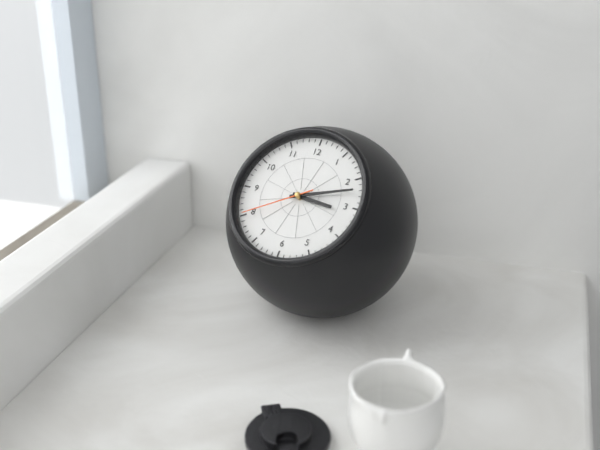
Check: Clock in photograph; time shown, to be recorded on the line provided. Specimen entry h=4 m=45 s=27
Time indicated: h=3 m=12 s=40
